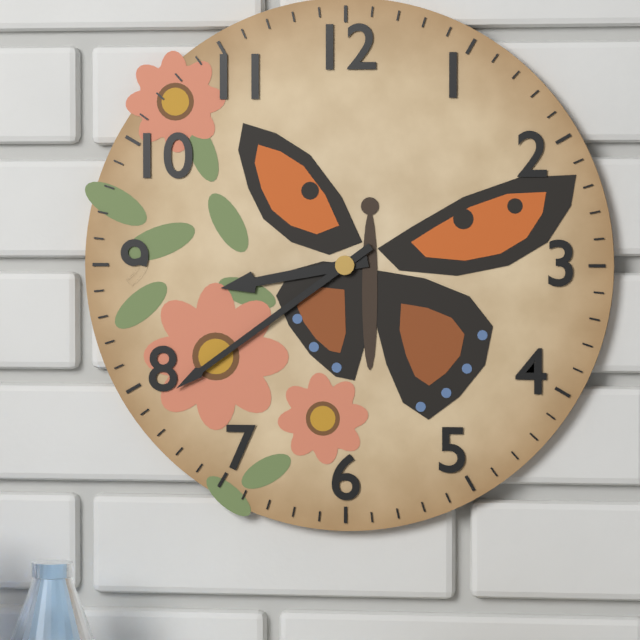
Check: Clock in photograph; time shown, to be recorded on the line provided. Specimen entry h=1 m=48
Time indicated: h=8 m=39
